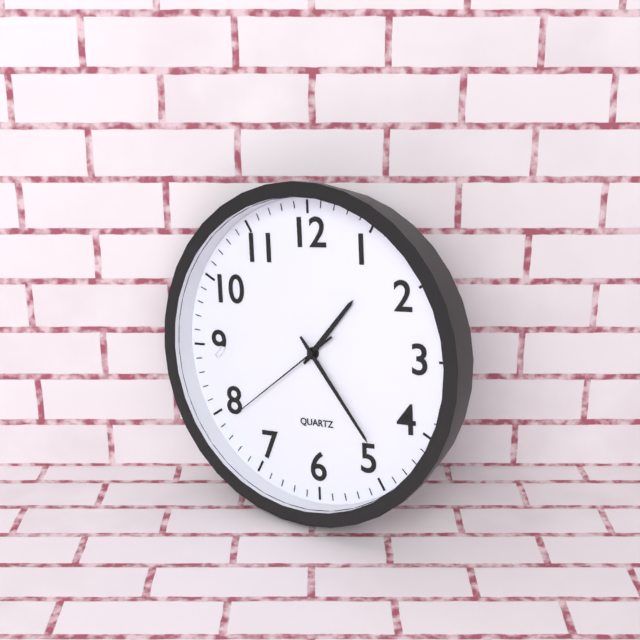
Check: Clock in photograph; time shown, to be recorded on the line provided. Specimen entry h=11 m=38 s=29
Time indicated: h=1 m=24 s=39
